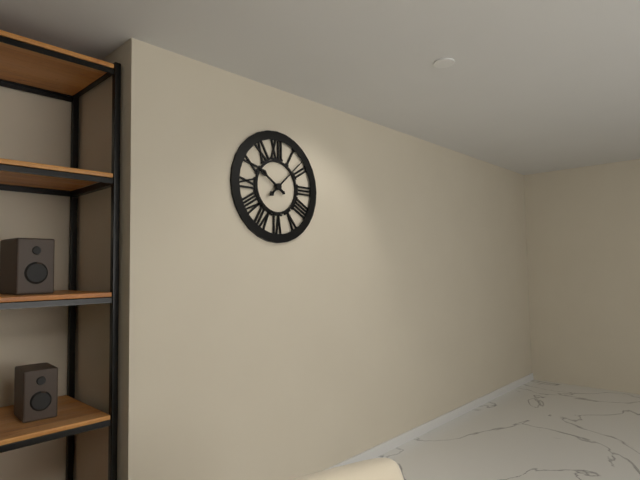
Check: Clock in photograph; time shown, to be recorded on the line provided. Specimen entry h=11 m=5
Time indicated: h=10 m=8
